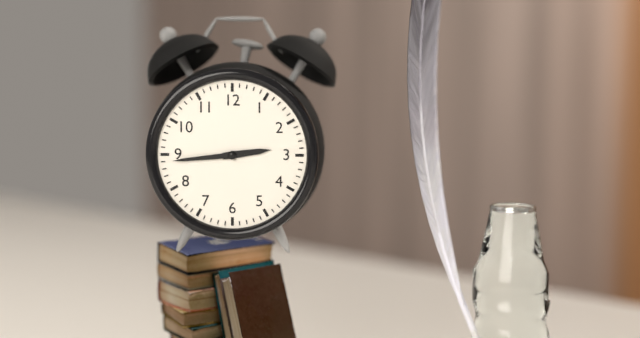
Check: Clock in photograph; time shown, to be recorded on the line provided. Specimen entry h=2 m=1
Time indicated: h=2 m=44
